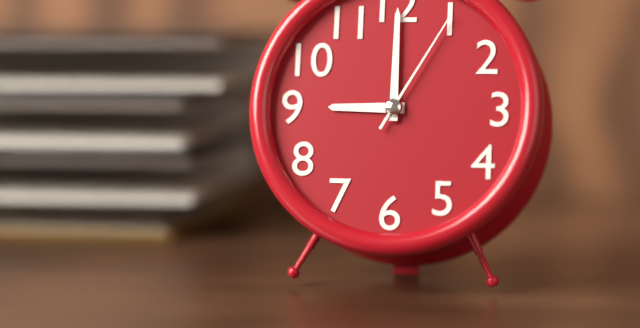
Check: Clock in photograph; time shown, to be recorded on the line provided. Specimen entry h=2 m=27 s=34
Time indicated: h=9 m=0 s=5
